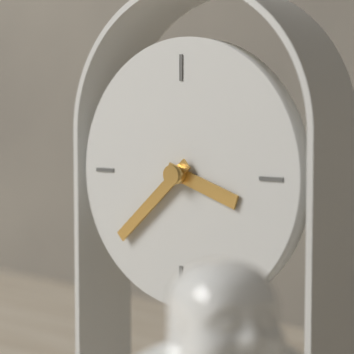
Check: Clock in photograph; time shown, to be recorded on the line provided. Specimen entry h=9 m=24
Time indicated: h=3 m=38
